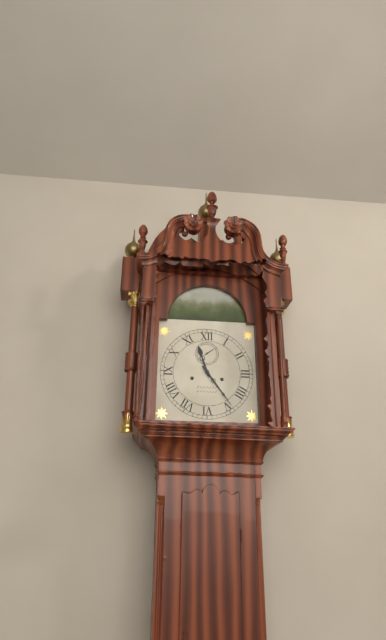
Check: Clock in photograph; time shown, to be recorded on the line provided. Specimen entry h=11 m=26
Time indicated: h=11 m=24
